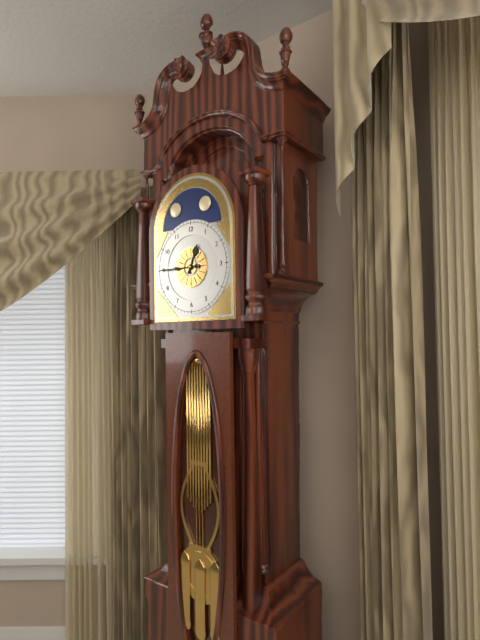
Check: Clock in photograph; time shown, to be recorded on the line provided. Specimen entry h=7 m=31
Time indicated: h=12 m=45
